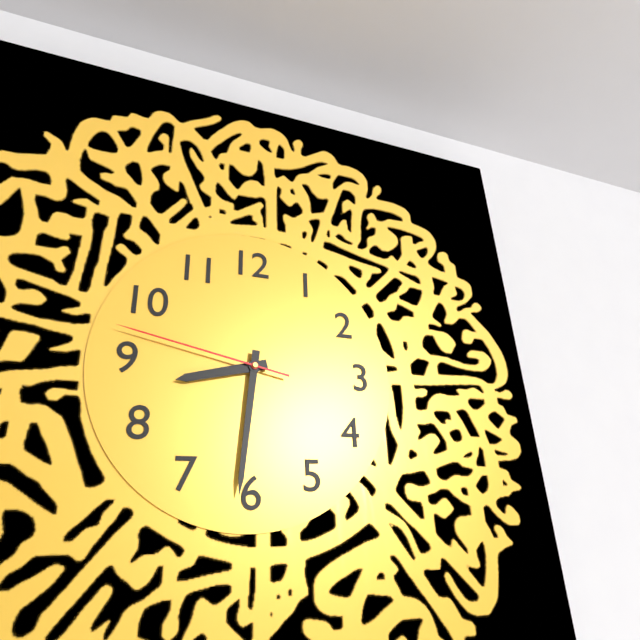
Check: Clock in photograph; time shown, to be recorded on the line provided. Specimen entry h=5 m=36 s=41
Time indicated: h=8 m=31 s=47
